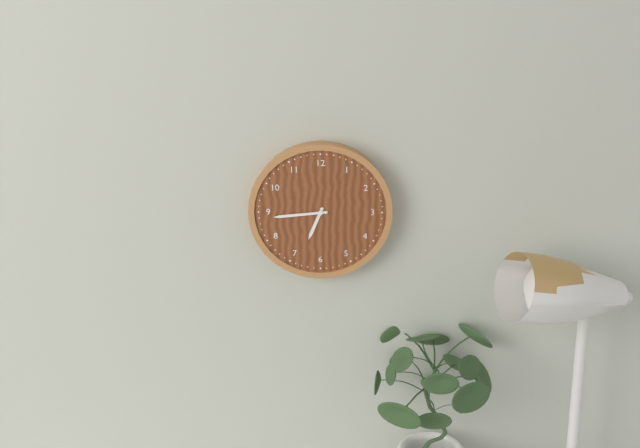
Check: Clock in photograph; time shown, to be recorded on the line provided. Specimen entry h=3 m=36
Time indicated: h=6 m=44
